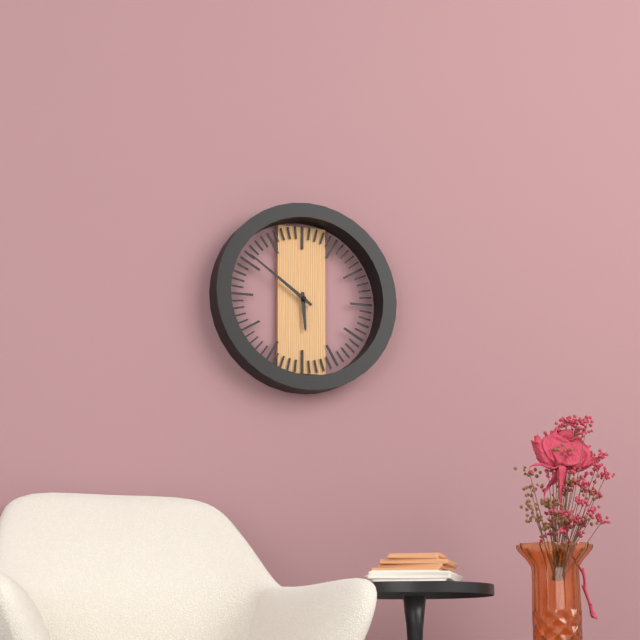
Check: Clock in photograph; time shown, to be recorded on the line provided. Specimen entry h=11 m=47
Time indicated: h=5 m=51
